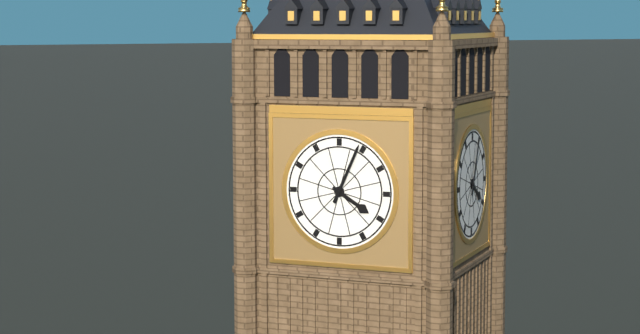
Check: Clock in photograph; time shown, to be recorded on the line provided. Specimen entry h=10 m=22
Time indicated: h=4 m=4
